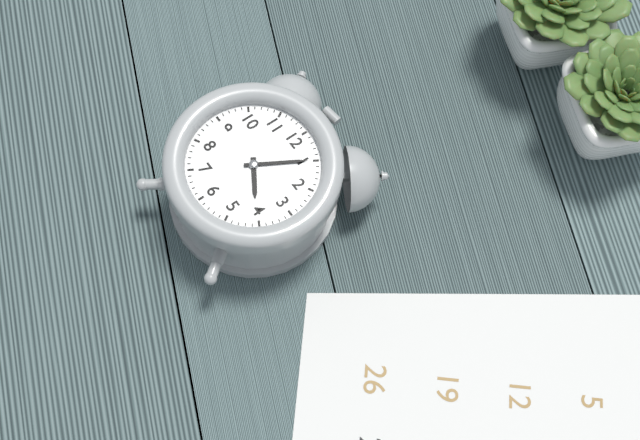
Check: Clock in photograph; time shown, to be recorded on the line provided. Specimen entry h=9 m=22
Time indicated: h=4 m=5
